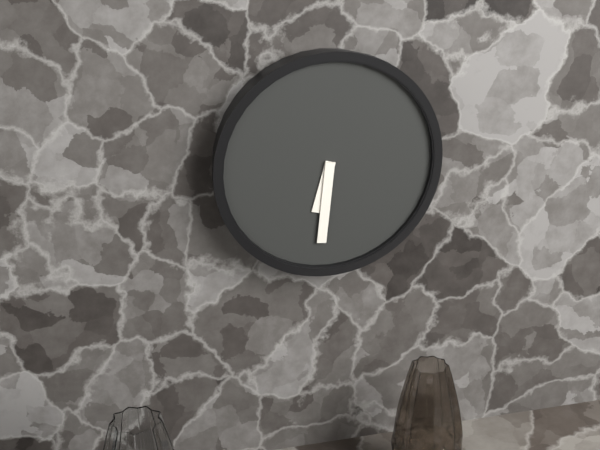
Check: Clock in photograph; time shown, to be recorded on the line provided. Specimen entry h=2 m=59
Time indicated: h=6 m=31
